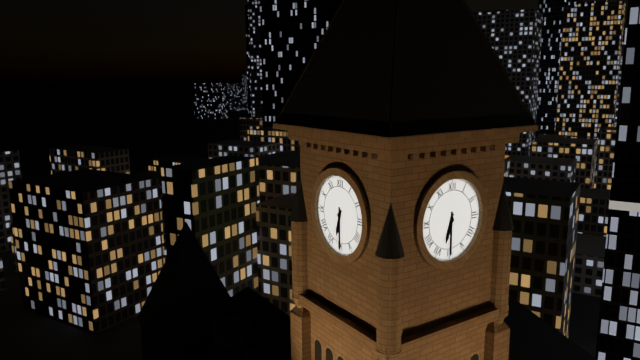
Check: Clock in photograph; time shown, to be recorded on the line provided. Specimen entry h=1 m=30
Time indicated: h=6 m=30
